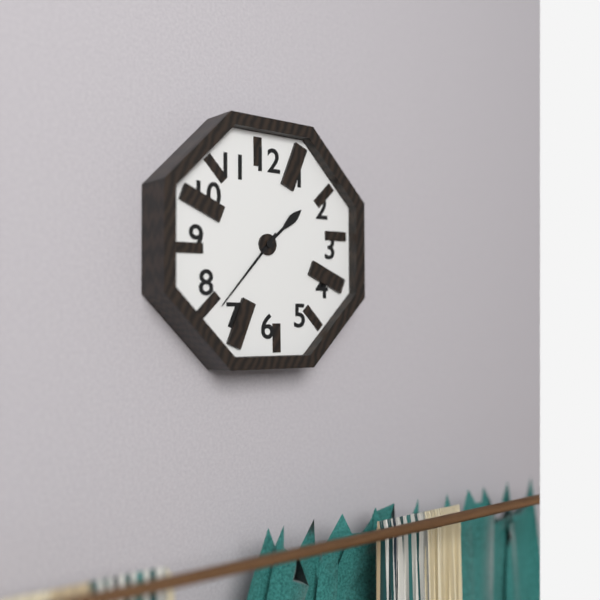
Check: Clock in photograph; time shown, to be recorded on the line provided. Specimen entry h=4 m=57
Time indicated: h=1 m=37
